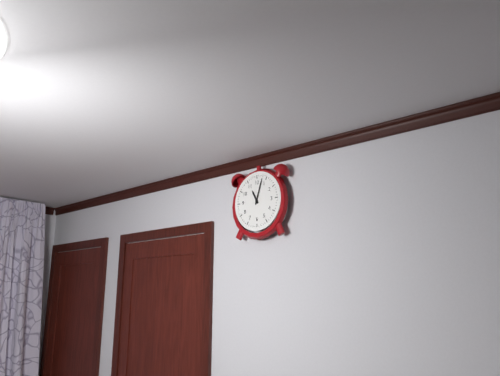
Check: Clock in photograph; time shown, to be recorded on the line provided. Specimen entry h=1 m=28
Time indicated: h=11 m=3
